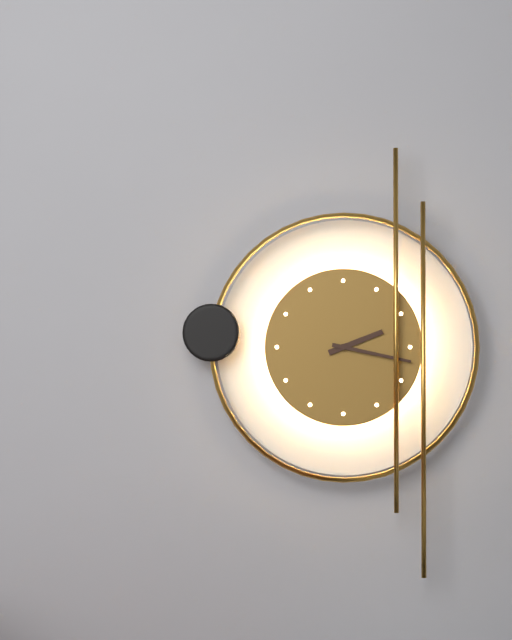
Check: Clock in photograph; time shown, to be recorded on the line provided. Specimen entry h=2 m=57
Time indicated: h=2 m=17
